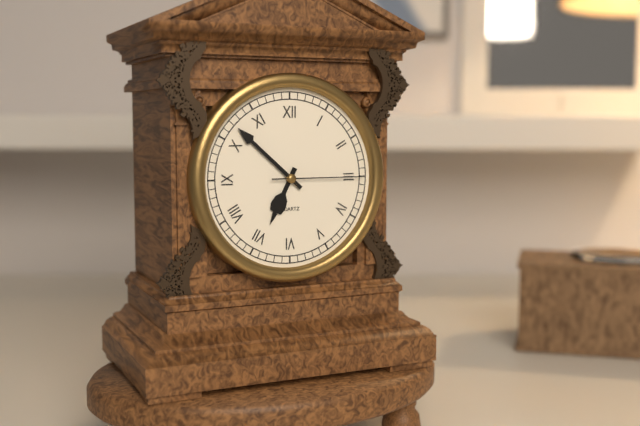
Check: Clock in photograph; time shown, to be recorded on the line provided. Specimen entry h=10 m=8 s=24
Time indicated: h=6 m=52 s=15
